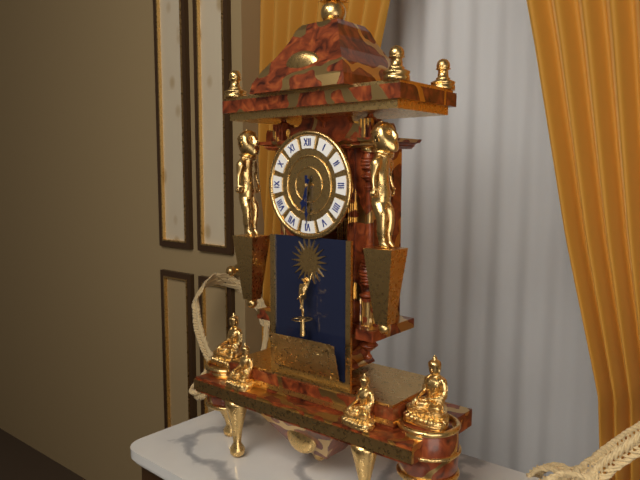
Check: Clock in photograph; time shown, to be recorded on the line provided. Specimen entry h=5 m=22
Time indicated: h=6 m=30
